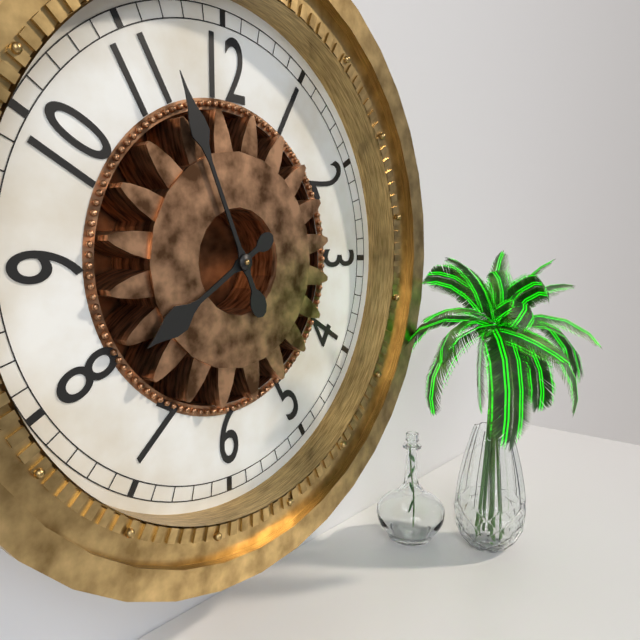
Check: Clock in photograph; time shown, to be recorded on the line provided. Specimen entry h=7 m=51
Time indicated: h=7 m=56
